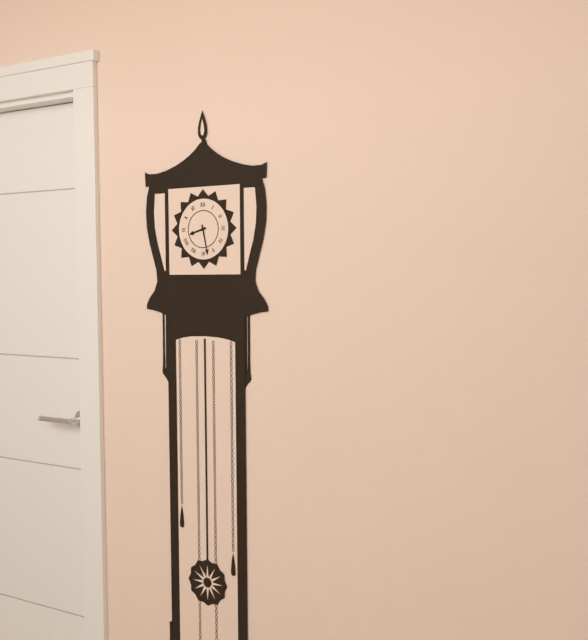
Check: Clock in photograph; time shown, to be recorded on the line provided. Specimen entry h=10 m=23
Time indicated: h=8 m=28
